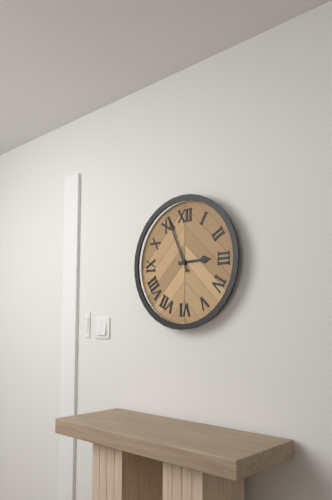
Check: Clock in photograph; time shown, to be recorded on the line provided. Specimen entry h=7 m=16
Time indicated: h=2 m=56
